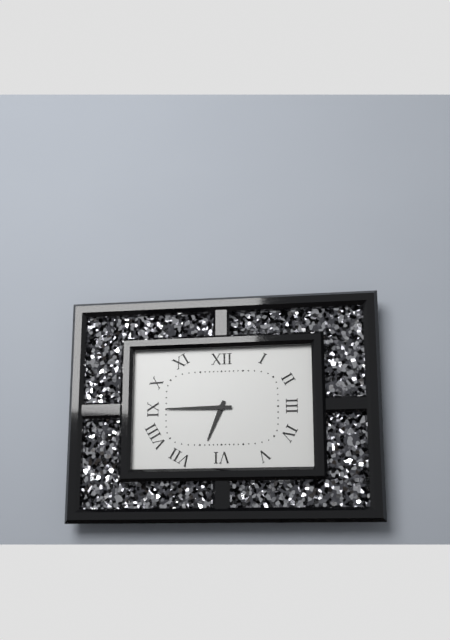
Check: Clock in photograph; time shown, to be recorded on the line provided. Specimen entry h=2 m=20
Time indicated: h=6 m=45
